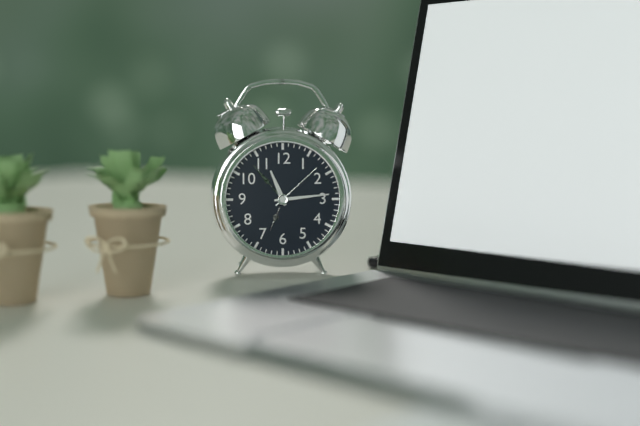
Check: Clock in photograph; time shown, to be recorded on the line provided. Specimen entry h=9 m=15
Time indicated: h=11 m=14
